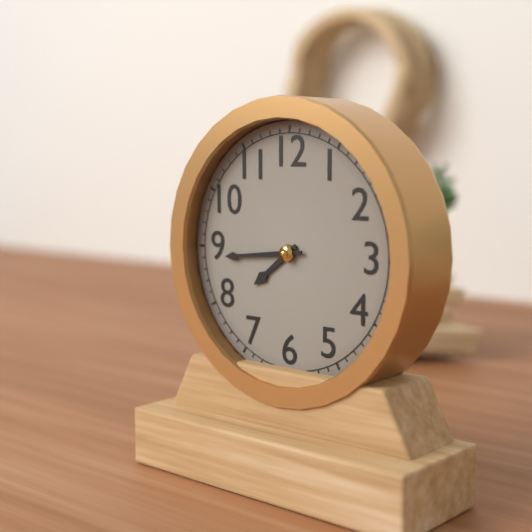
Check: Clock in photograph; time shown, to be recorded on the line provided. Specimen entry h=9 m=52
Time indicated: h=7 m=44
